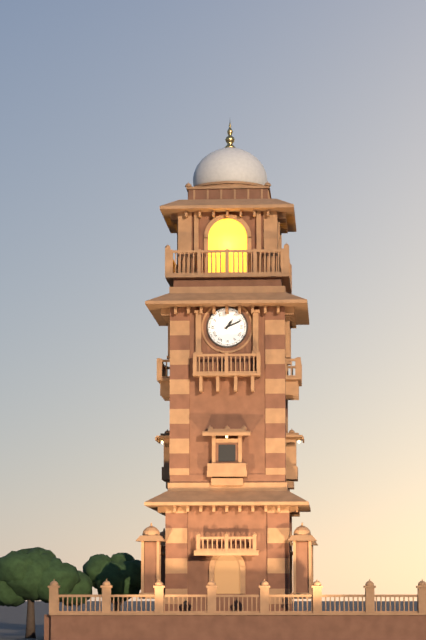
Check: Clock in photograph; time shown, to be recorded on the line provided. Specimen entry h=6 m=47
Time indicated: h=1 m=11
